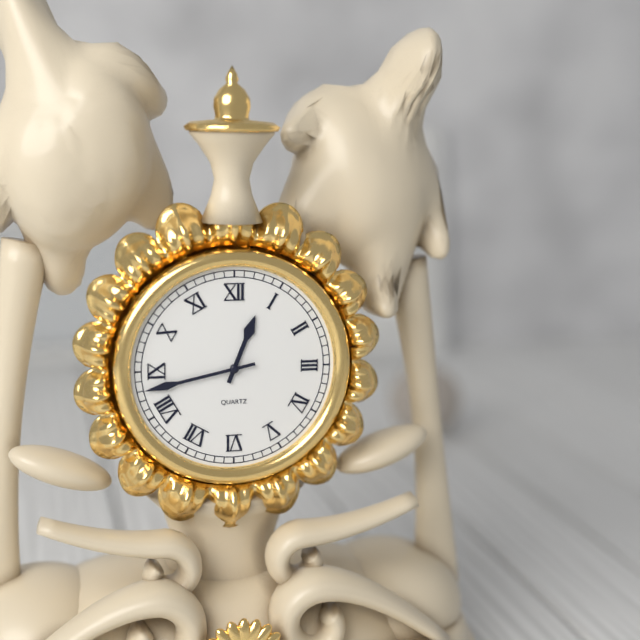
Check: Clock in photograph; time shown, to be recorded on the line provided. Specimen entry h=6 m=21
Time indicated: h=12 m=43
